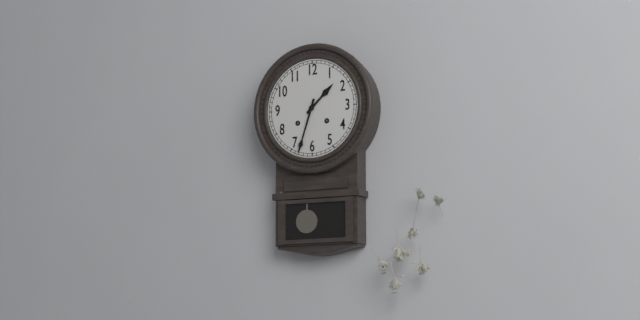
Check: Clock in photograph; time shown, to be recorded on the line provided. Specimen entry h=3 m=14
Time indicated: h=1 m=33
